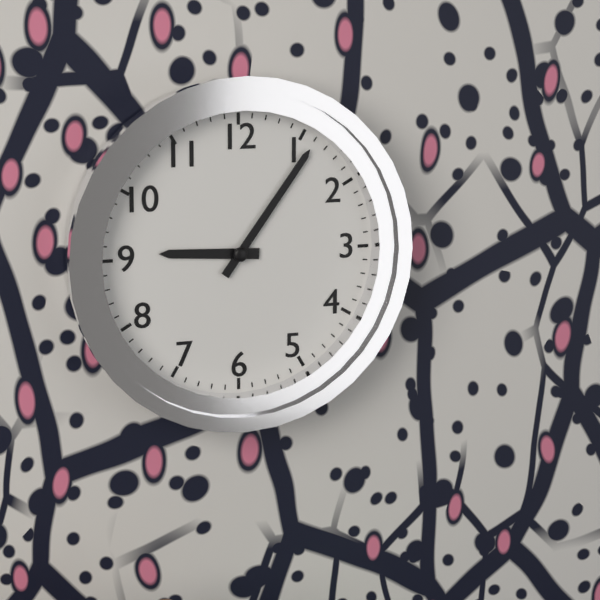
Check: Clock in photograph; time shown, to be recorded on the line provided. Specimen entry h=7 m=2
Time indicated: h=9 m=6
